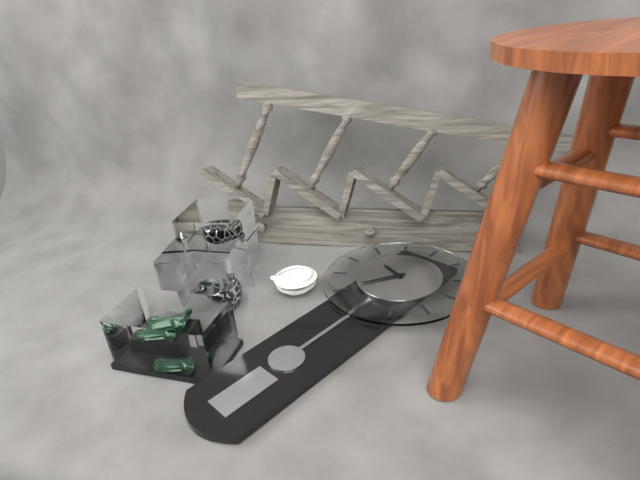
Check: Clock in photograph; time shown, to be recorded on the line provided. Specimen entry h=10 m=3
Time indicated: h=9 m=35
